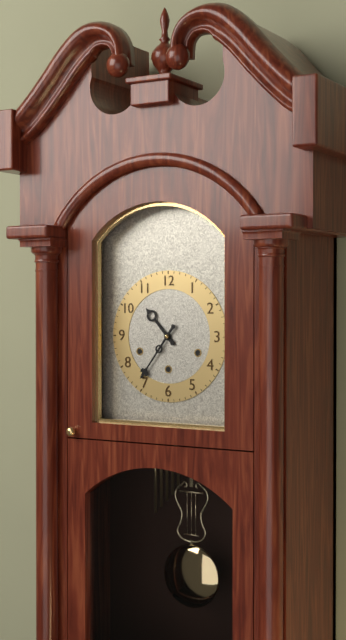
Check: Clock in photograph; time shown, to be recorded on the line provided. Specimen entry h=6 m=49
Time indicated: h=10 m=36
